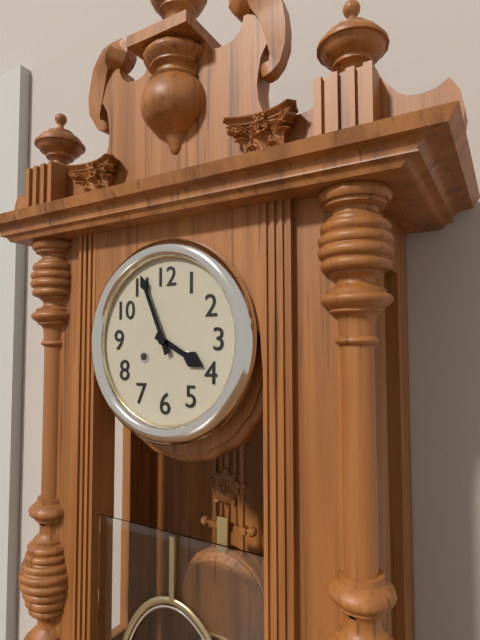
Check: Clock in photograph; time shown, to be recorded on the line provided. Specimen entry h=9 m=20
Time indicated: h=3 m=56
